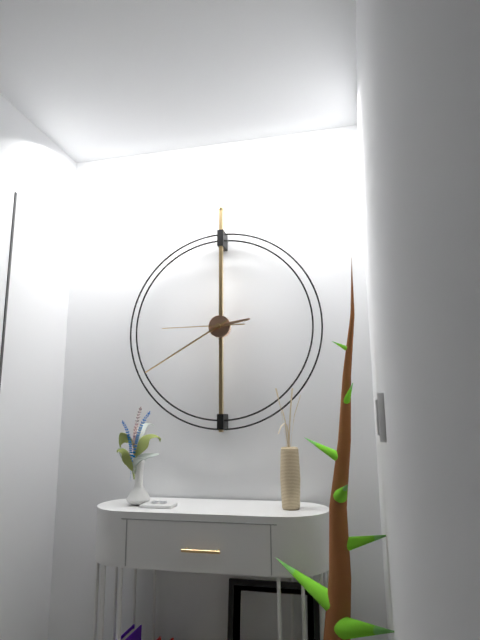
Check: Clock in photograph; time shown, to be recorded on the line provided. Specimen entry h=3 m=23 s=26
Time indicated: h=2 m=40 s=45
